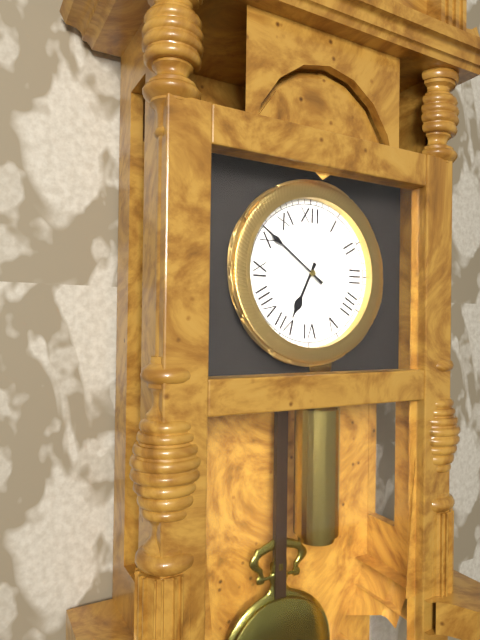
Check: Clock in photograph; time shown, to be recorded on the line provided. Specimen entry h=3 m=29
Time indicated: h=6 m=51
